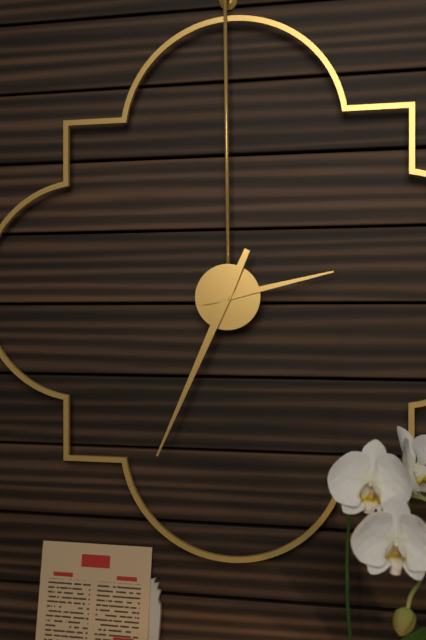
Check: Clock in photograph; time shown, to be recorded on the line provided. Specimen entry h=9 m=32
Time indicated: h=2 m=34
